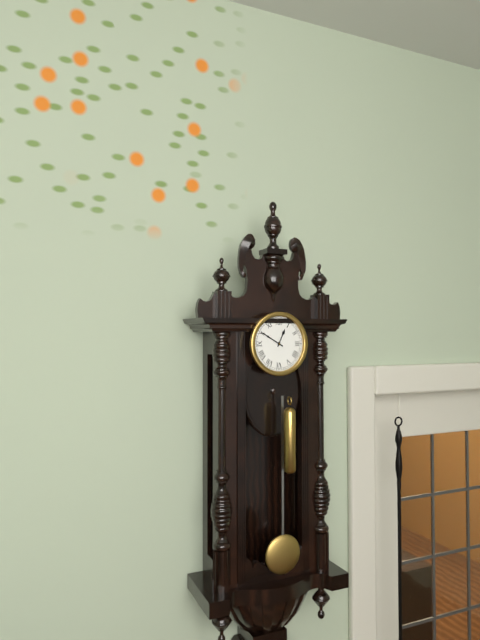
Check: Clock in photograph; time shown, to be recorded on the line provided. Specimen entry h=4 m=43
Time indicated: h=12 m=50
